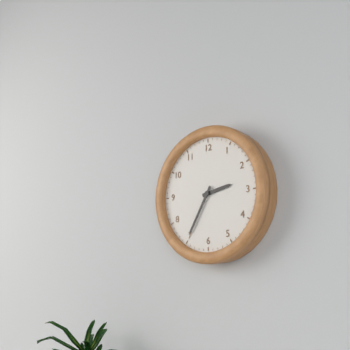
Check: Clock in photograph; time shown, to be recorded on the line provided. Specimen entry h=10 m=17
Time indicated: h=2 m=35
